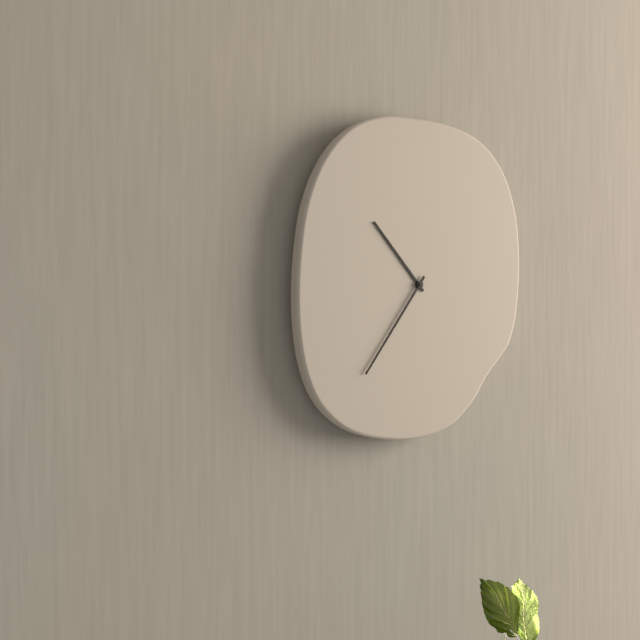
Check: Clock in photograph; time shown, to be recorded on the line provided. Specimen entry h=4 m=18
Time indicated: h=10 m=36
